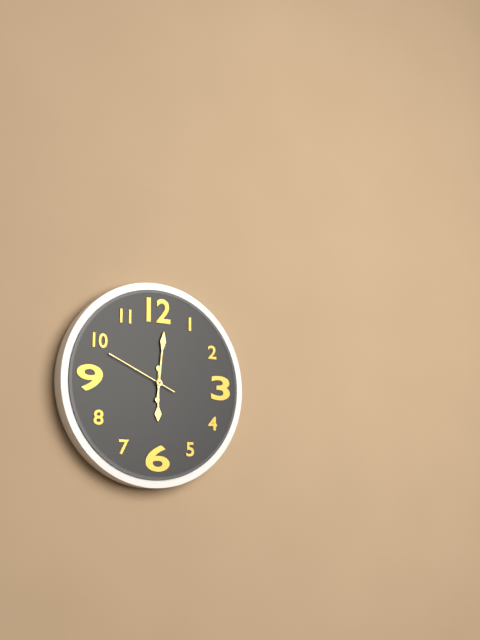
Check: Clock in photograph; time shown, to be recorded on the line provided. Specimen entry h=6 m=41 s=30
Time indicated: h=6 m=1 s=49
